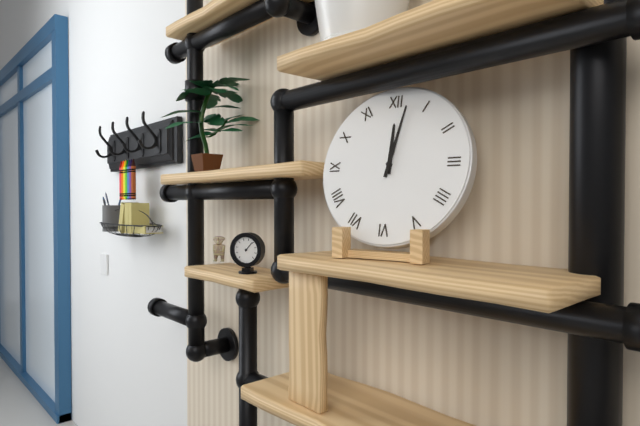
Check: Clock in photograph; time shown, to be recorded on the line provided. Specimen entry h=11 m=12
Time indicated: h=12 m=2
